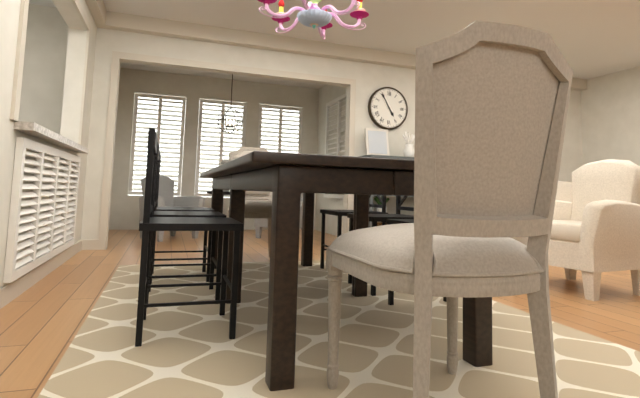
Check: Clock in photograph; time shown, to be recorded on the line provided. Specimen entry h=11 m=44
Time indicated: h=4 m=55
